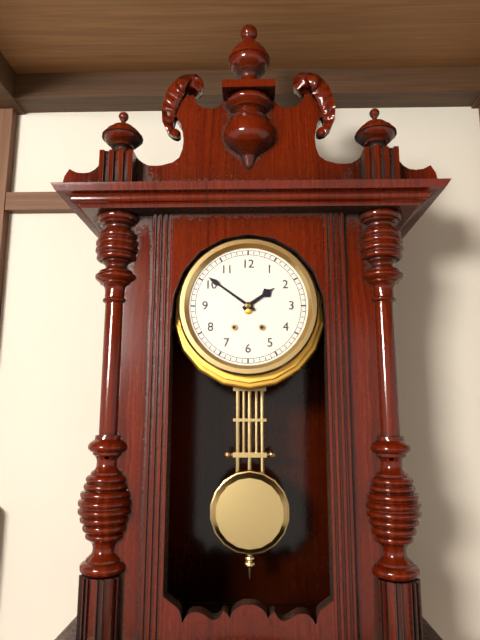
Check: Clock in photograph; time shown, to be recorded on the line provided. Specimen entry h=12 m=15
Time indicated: h=1 m=51
